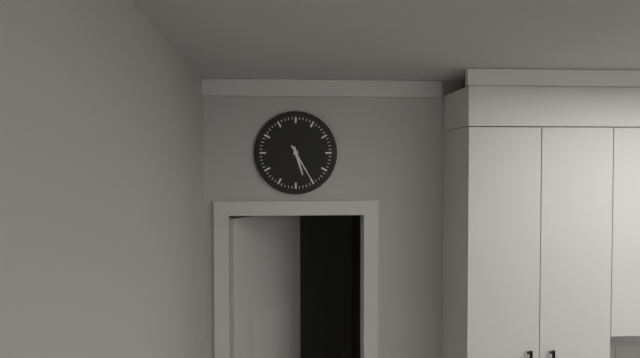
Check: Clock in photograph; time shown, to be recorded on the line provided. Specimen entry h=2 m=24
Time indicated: h=5 m=25
